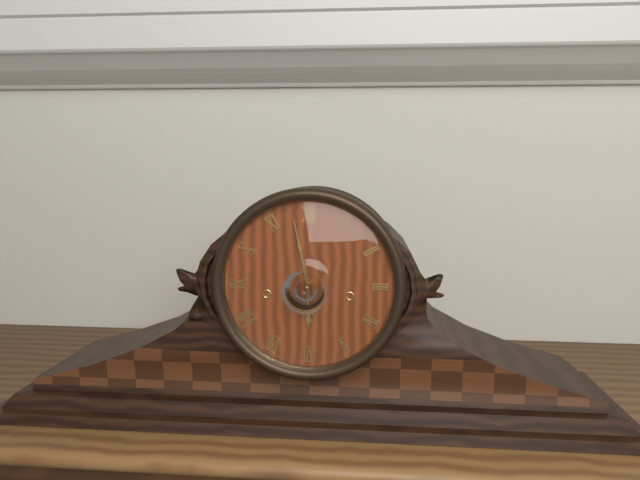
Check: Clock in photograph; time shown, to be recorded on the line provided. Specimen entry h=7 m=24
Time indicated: h=5 m=58
